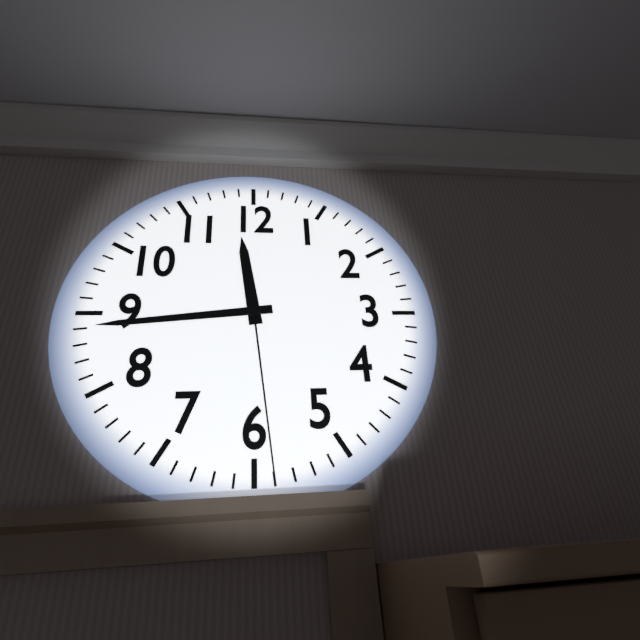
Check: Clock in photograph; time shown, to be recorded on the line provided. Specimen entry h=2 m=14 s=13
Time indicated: h=11 m=44 s=29
